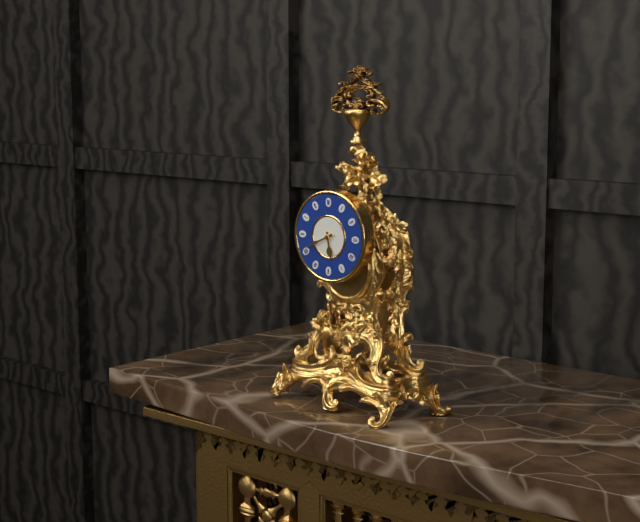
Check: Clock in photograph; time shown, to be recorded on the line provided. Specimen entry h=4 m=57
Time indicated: h=5 m=41
